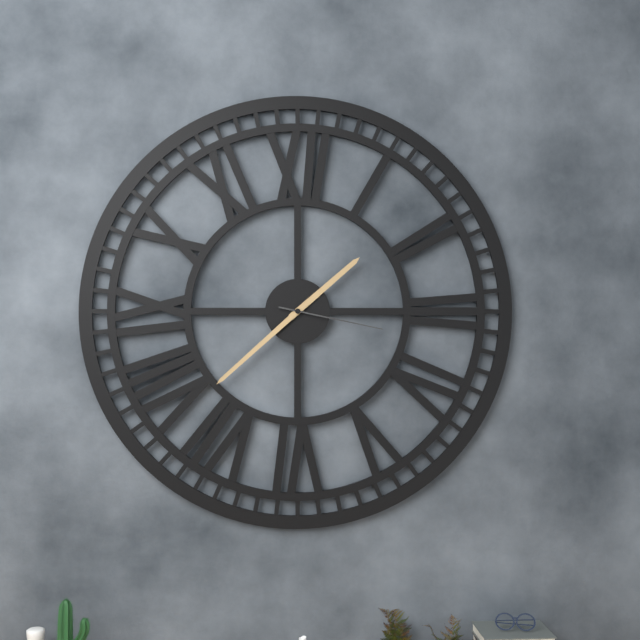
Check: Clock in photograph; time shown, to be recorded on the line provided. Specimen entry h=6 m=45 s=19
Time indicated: h=1 m=38 s=17
